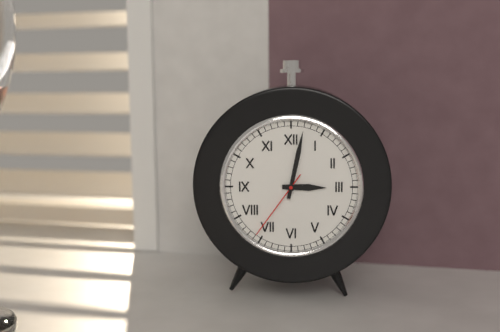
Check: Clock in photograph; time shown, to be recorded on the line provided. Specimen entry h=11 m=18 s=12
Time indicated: h=3 m=2 s=36
